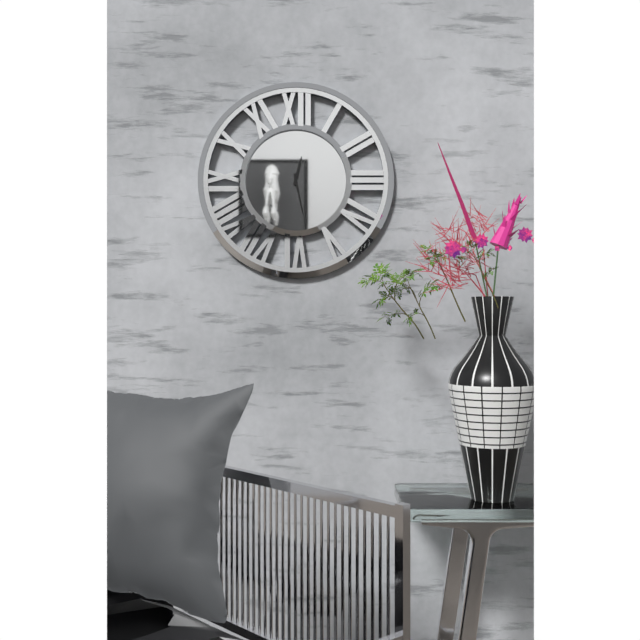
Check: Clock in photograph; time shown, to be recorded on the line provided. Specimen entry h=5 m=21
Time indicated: h=12 m=28
